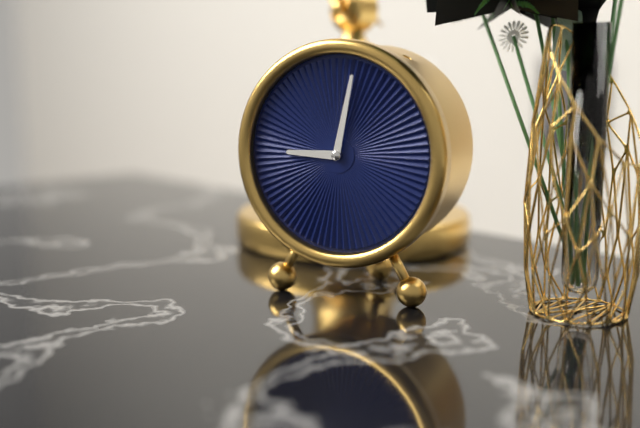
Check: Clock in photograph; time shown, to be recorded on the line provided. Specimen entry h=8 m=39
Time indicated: h=9 m=2
